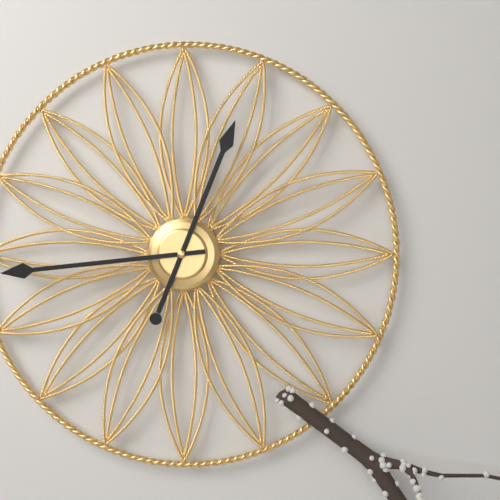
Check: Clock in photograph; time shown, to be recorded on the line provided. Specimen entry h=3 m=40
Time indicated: h=12 m=44
